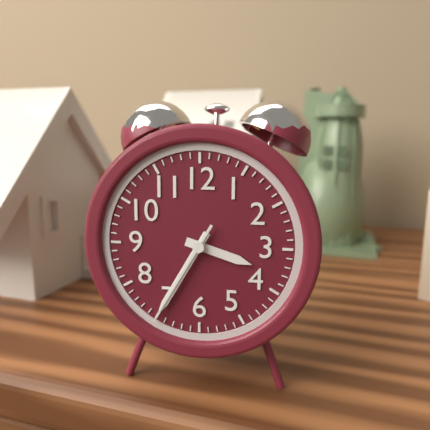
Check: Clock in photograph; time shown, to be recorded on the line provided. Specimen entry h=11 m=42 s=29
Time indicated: h=3 m=35 s=35
